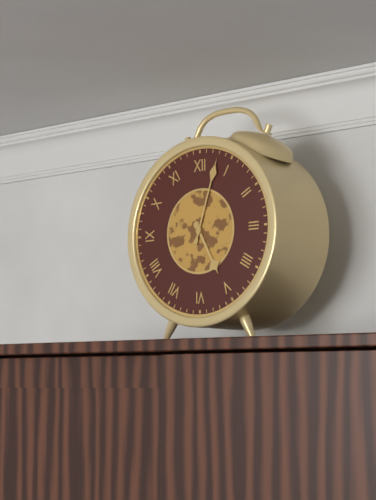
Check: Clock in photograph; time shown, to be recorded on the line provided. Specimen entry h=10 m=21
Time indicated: h=5 m=3
